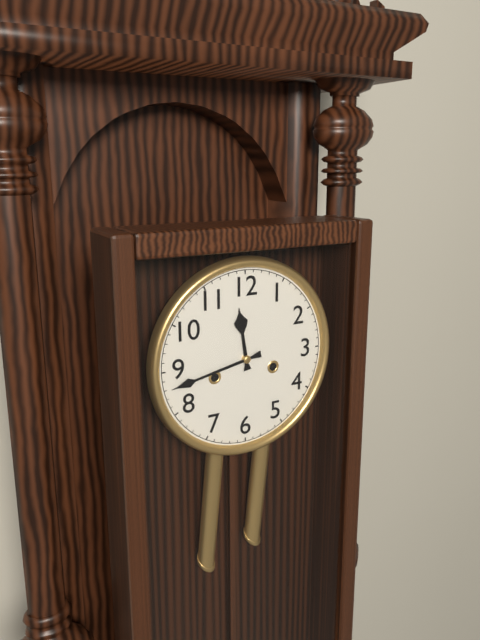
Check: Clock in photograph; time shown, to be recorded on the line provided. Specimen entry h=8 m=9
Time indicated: h=11 m=43
